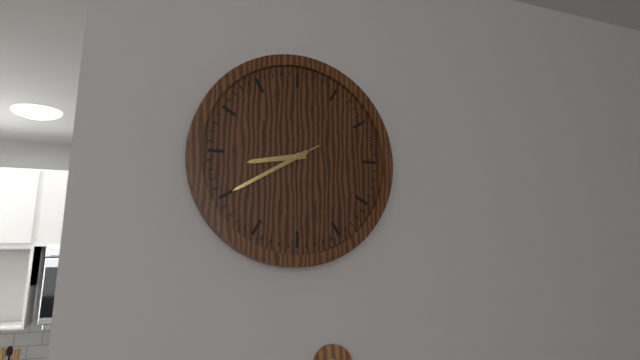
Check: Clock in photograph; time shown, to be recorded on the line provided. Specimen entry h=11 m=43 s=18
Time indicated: h=8 m=40 s=40
